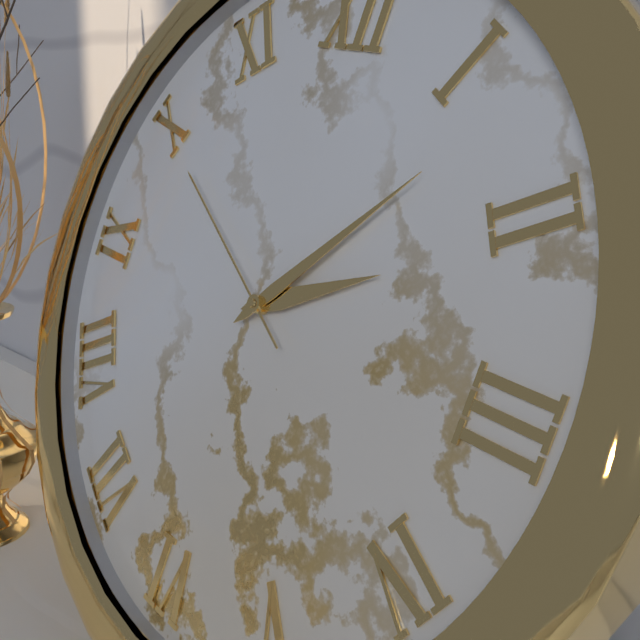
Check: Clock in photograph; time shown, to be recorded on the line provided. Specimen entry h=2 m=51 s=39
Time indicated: h=2 m=7 s=50
